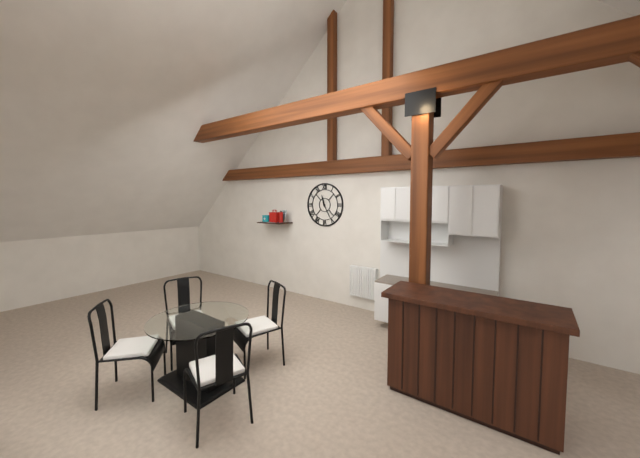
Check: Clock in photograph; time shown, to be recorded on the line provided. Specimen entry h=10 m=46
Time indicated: h=11 m=25
